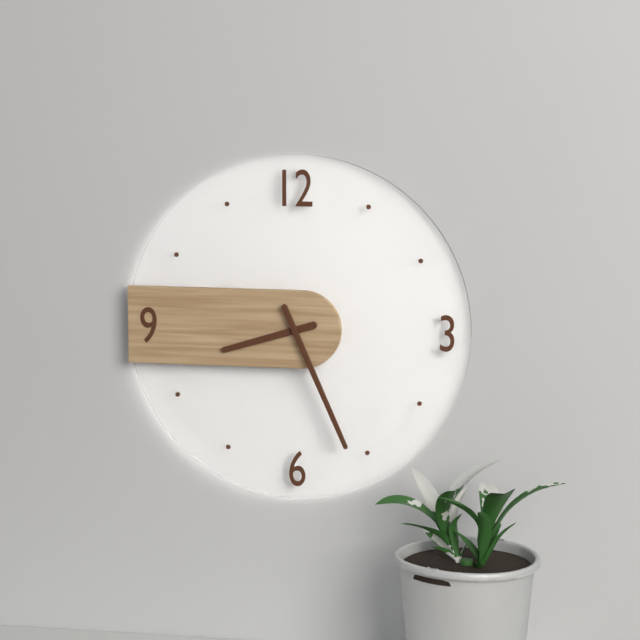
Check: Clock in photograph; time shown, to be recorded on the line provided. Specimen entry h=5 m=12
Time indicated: h=8 m=26
